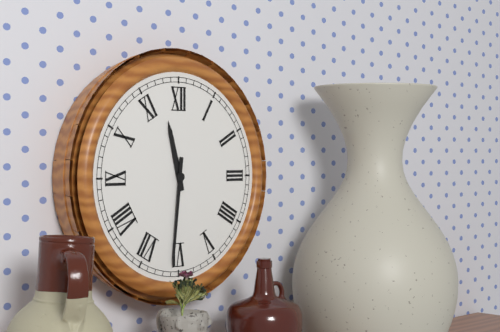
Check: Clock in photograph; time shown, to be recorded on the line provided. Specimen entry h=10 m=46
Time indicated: h=11 m=31
